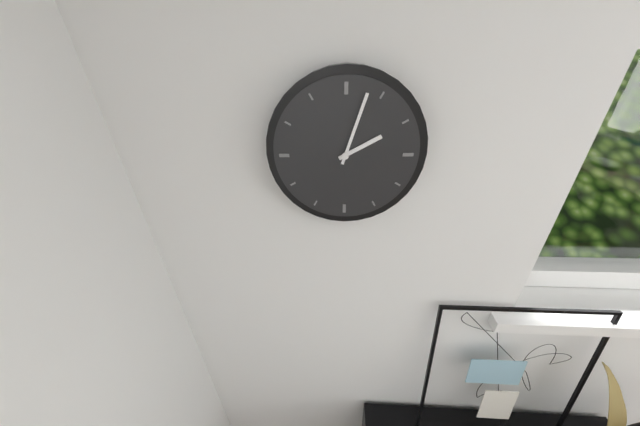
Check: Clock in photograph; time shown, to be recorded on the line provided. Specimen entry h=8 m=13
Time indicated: h=2 m=3
